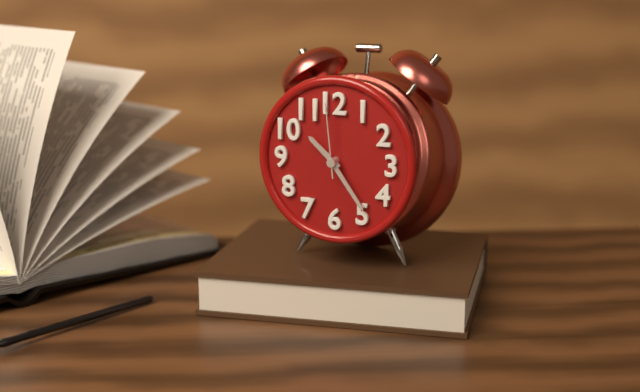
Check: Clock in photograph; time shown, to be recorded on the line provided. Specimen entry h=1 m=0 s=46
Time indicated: h=10 m=24 s=59
